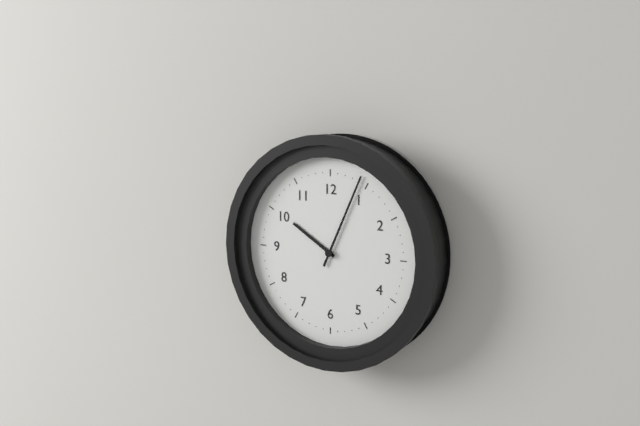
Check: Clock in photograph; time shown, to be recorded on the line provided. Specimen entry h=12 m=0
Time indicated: h=10 m=4
